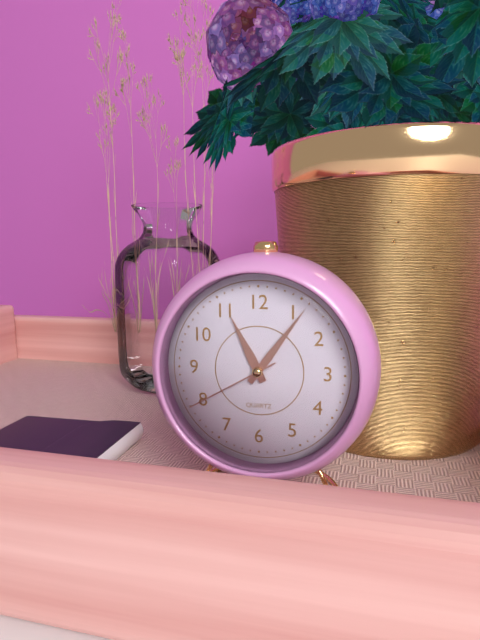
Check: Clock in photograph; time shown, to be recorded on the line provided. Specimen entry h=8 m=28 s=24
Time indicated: h=11 m=6 s=40
